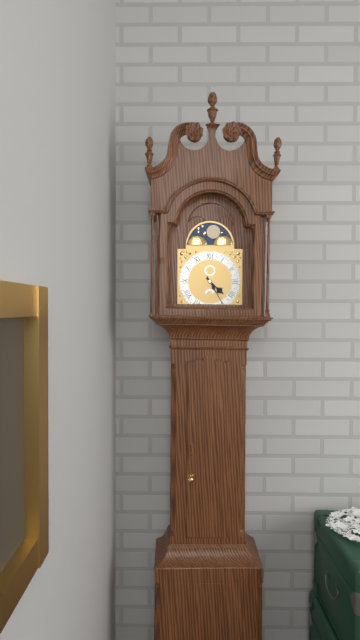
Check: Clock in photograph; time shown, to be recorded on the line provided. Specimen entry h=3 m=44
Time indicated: h=4 m=25
